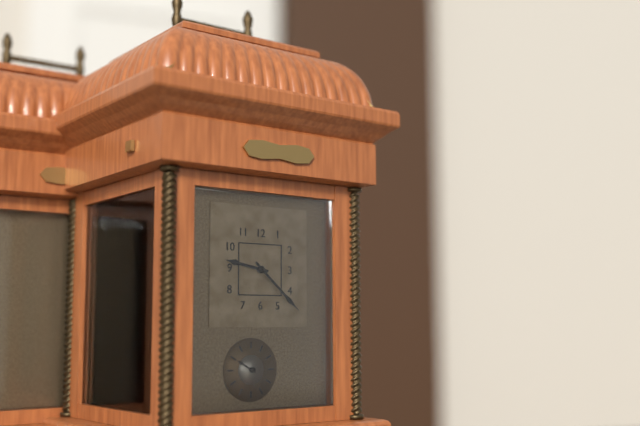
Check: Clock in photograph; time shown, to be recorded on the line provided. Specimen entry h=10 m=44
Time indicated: h=9 m=22
